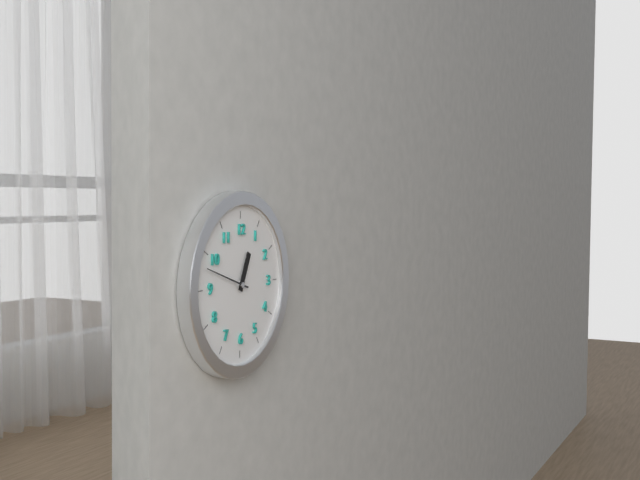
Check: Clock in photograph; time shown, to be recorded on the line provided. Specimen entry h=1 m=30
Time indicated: h=12 m=48
